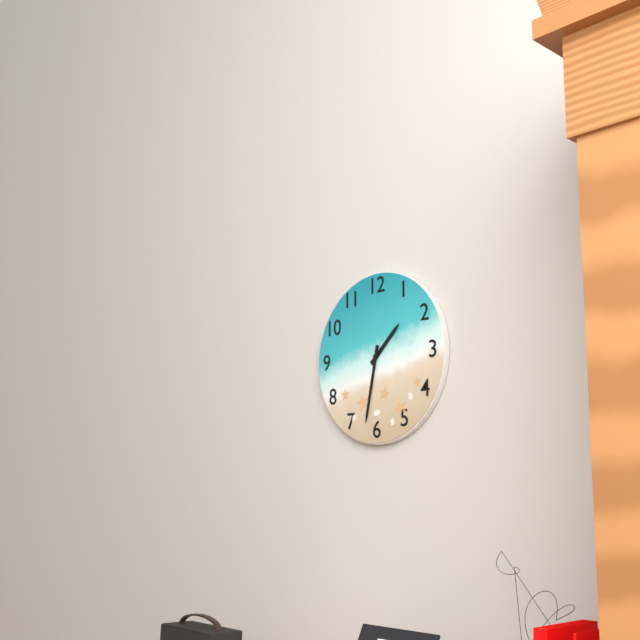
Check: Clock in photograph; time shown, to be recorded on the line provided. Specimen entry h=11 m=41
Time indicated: h=1 m=32
